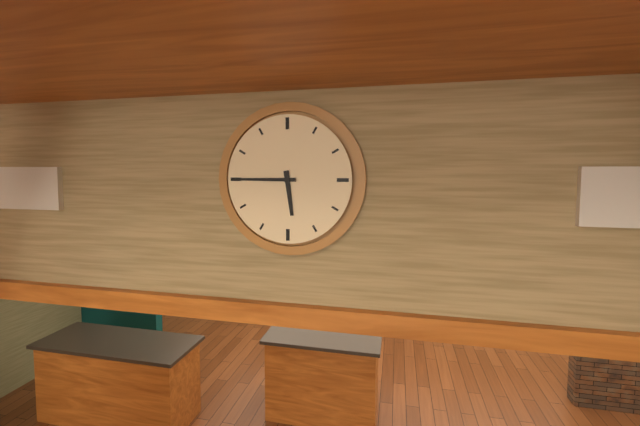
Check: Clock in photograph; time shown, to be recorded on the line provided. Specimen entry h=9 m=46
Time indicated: h=5 m=45
